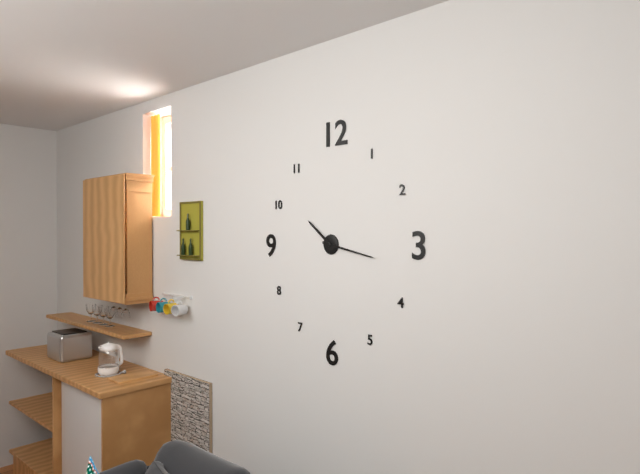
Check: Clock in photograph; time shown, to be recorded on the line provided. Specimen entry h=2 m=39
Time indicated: h=10 m=17
